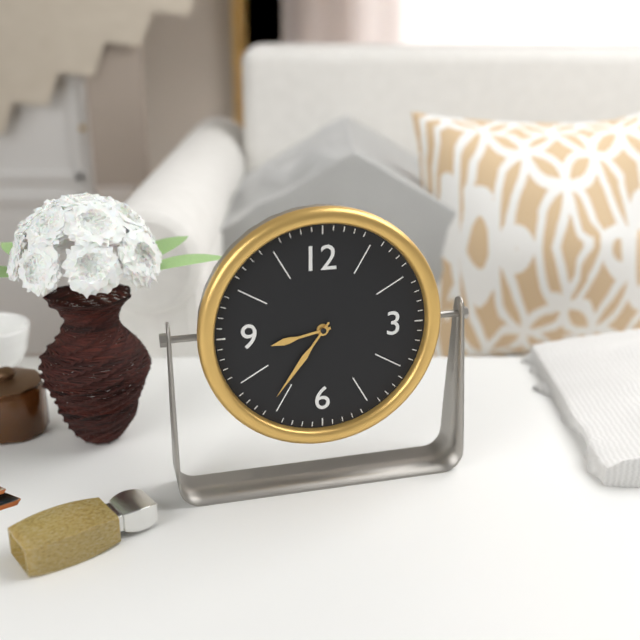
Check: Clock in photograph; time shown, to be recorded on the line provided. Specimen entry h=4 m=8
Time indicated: h=8 m=36
